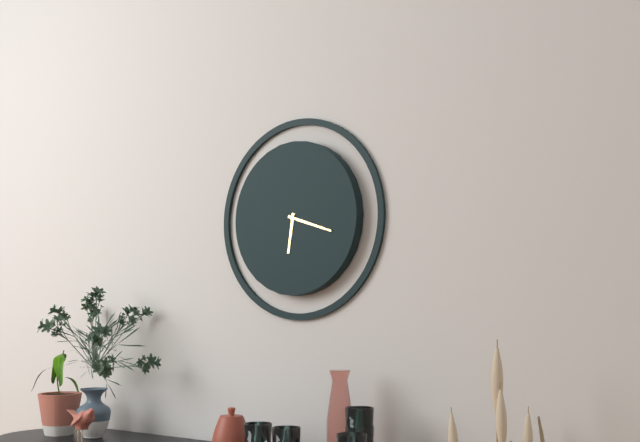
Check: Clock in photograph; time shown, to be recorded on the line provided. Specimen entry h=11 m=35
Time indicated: h=6 m=18
